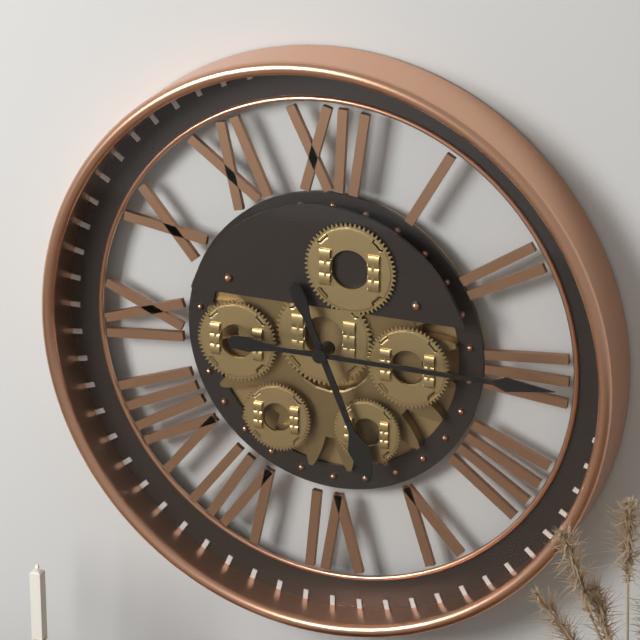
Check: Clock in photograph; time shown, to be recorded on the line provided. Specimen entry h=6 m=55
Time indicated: h=5 m=15
